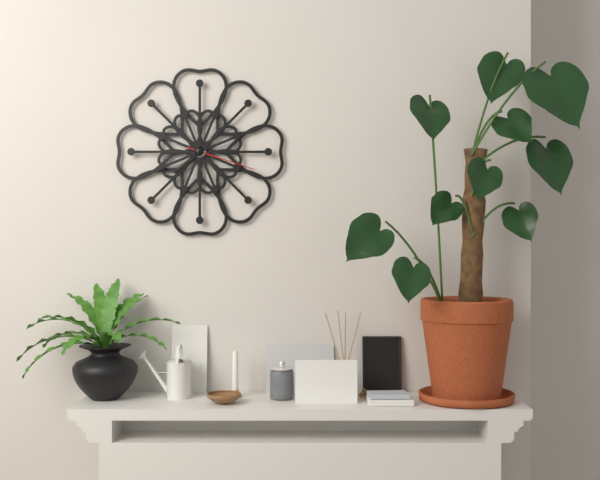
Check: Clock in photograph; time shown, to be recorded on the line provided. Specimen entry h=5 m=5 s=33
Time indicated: h=7 m=41 s=18
